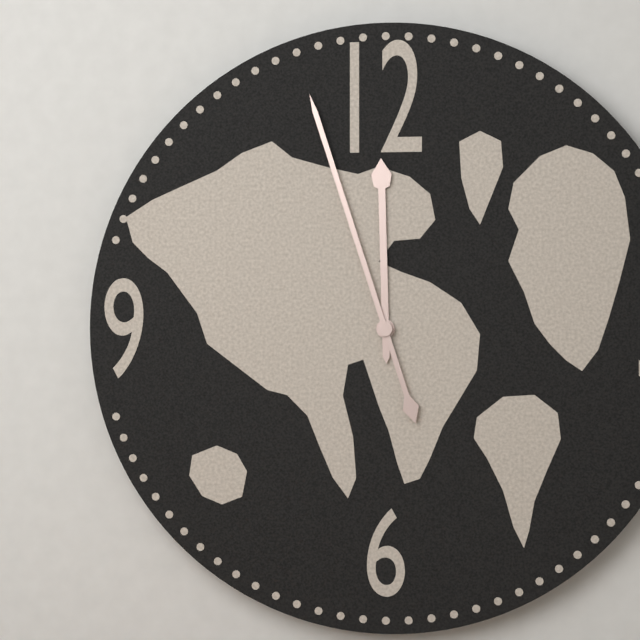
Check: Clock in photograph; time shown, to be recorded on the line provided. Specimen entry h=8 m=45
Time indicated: h=11 m=57
